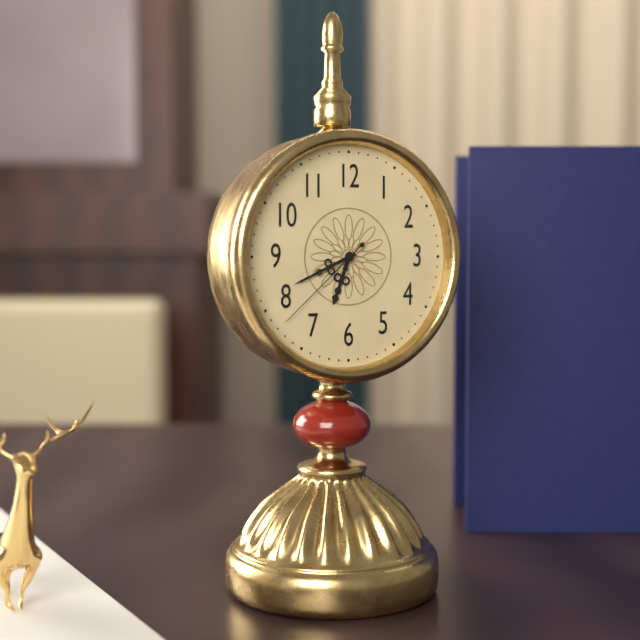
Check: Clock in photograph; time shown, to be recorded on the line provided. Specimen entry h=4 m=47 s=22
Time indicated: h=6 m=41 s=38
